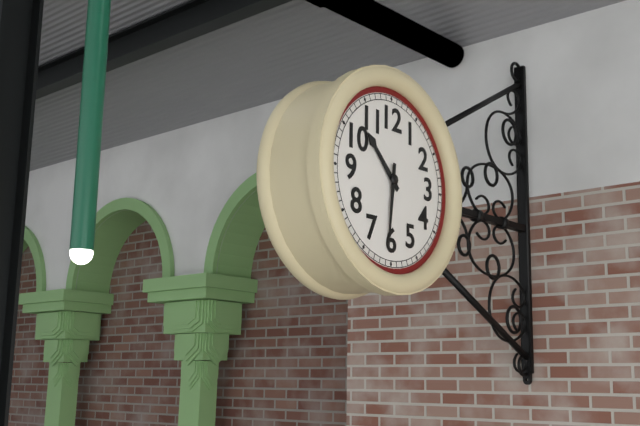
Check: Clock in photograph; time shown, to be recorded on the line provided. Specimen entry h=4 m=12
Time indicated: h=10 m=31
